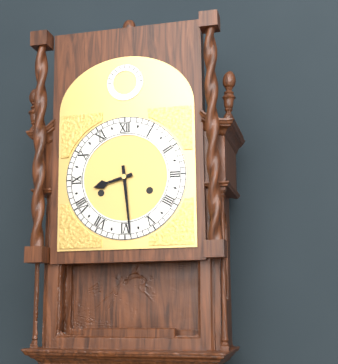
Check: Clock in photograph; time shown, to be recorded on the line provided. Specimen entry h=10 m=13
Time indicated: h=8 m=29
